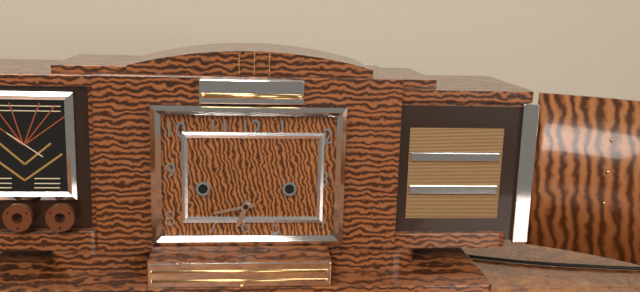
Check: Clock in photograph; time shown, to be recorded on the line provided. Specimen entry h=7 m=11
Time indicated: h=6 m=43
